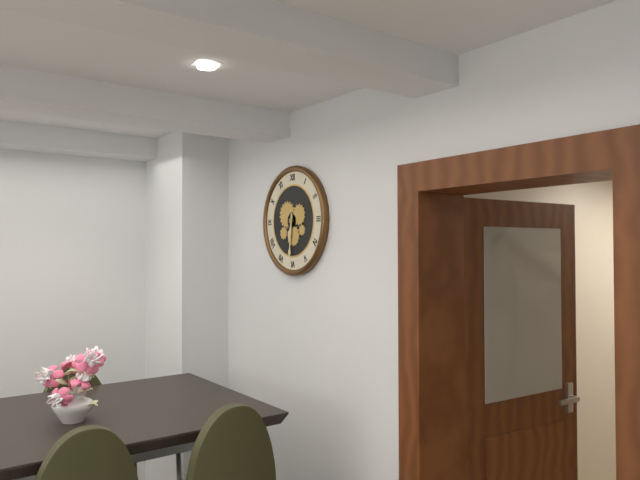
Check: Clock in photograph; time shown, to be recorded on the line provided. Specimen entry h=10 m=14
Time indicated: h=6 m=31
